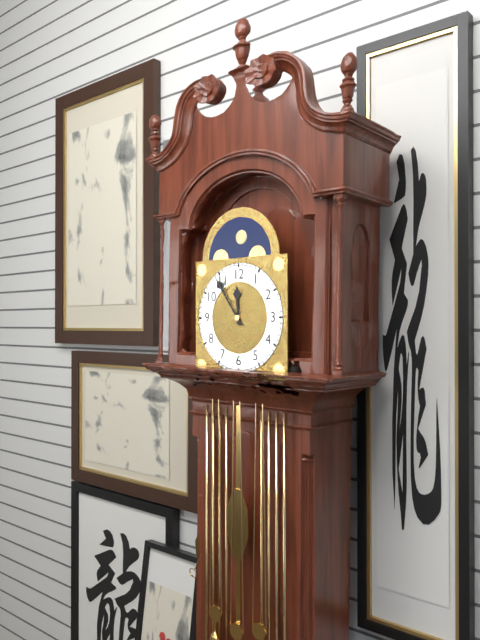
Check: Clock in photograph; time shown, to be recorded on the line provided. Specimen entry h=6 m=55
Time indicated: h=11 m=54
